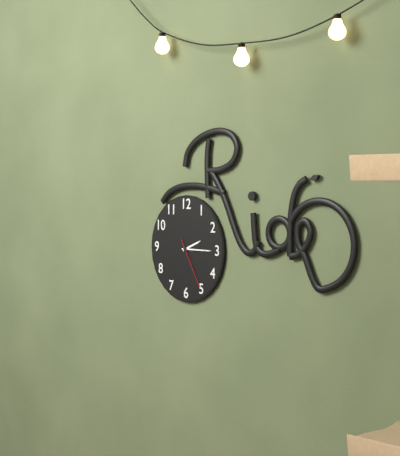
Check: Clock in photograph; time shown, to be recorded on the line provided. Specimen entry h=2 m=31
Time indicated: h=2 m=15
